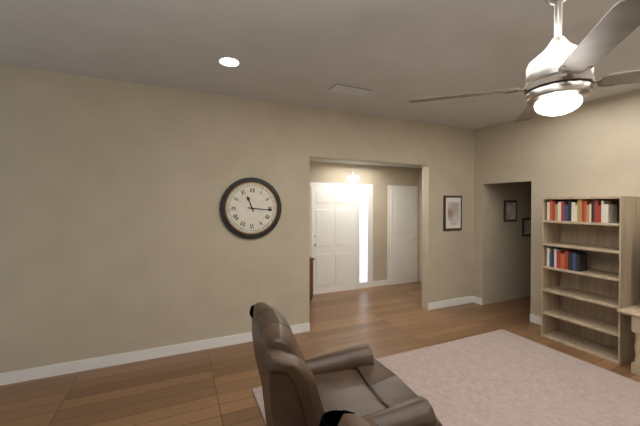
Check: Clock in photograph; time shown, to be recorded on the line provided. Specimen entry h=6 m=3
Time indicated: h=11 m=16
